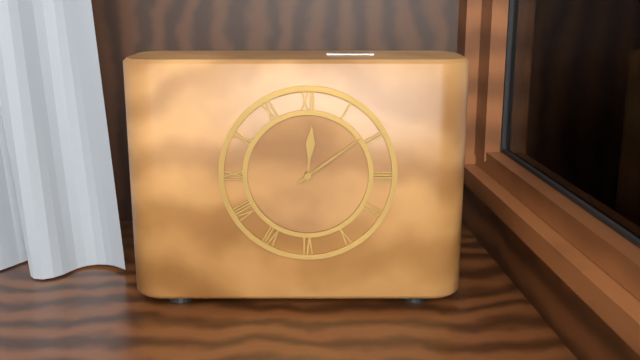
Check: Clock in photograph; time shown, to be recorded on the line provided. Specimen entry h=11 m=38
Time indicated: h=12 m=9
